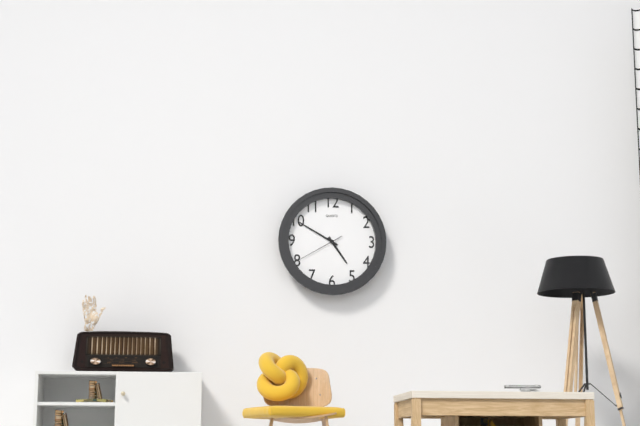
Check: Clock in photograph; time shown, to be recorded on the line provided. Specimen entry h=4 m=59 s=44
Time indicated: h=4 m=50 s=40
